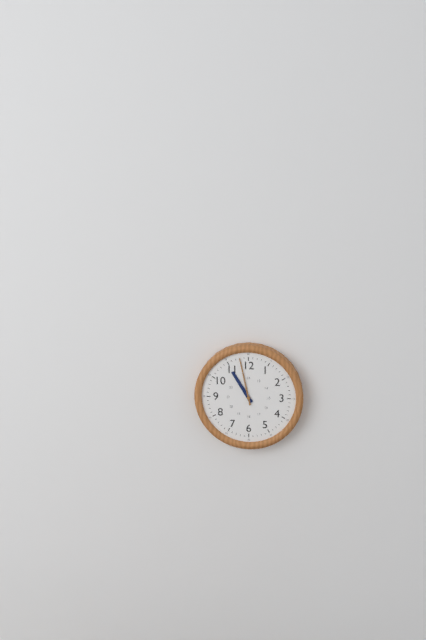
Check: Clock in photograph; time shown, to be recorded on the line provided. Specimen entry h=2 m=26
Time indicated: h=10 m=58
